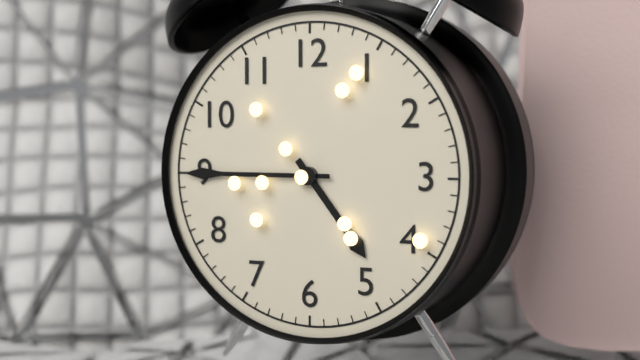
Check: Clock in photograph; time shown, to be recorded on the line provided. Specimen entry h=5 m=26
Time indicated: h=4 m=45
